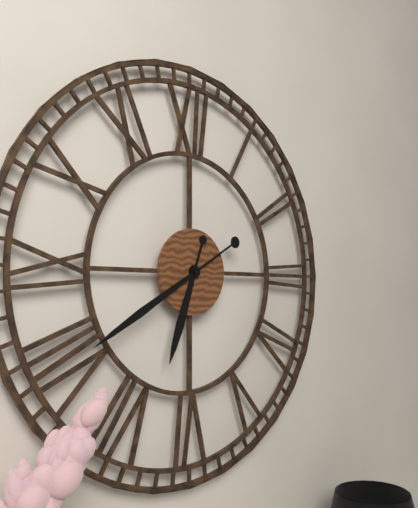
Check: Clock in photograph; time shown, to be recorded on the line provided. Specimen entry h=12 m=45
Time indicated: h=6 m=40
